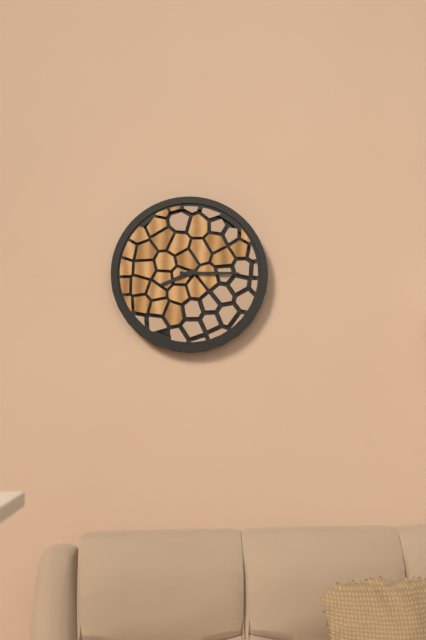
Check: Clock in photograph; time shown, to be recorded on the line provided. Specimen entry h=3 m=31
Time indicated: h=8 m=15
